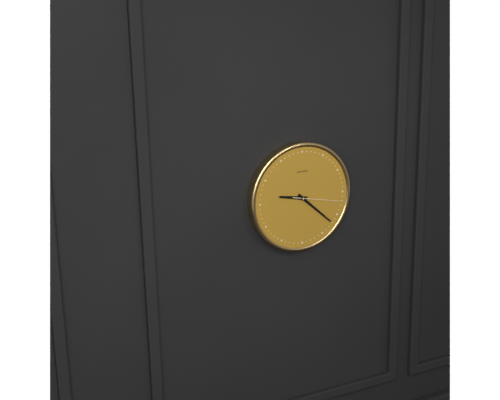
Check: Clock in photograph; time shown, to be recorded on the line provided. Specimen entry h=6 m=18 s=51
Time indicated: h=9 m=22 s=17
